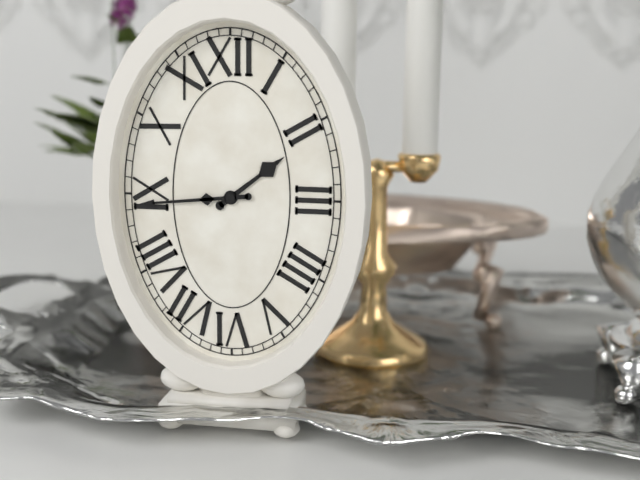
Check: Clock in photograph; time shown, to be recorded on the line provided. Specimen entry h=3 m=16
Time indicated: h=1 m=44
